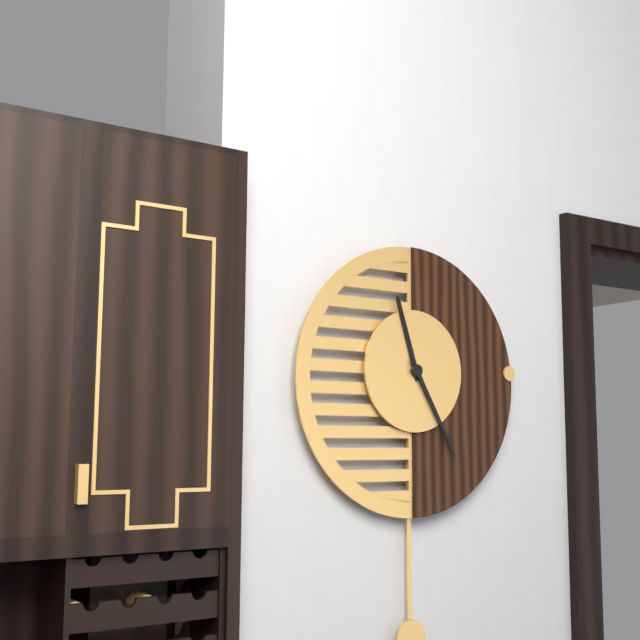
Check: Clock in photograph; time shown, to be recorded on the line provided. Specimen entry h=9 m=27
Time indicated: h=11 m=25
